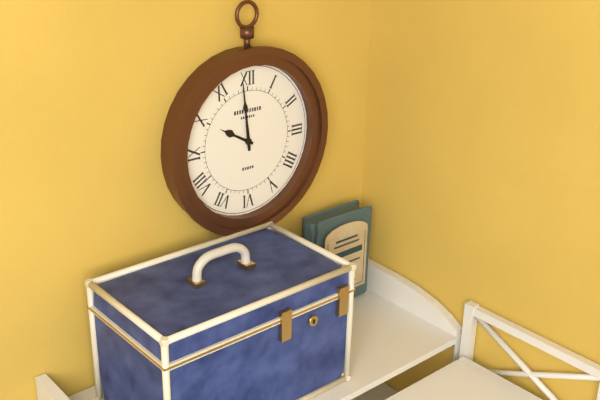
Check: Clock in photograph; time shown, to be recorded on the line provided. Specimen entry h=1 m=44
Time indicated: h=9 m=59
